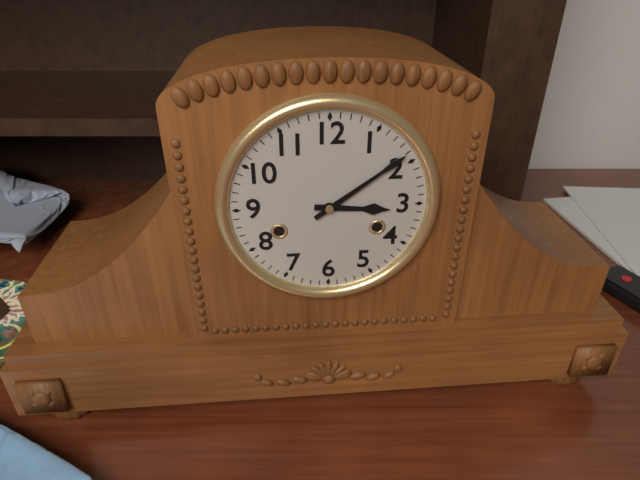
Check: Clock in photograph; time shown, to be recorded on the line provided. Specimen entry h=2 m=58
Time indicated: h=3 m=9
